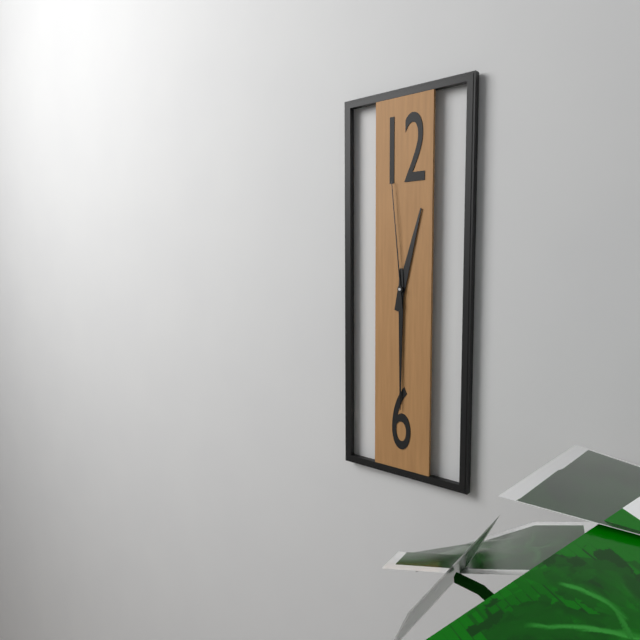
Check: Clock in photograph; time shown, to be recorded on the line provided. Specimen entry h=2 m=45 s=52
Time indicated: h=12 m=30 s=59
